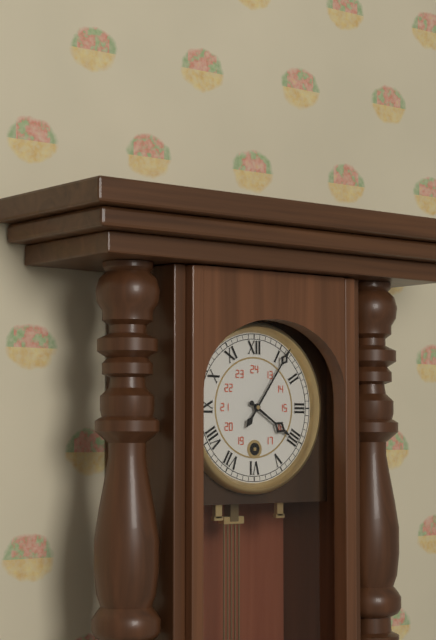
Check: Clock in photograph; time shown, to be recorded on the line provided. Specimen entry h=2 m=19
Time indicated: h=4 m=6
